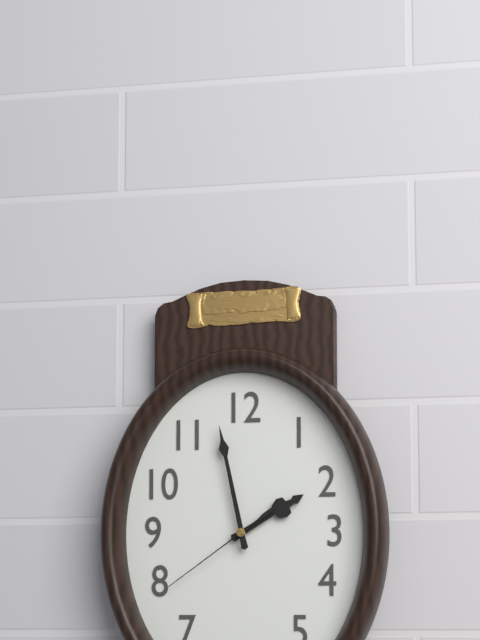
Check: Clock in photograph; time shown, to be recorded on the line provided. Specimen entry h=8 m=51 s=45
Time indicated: h=1 m=58 s=39
